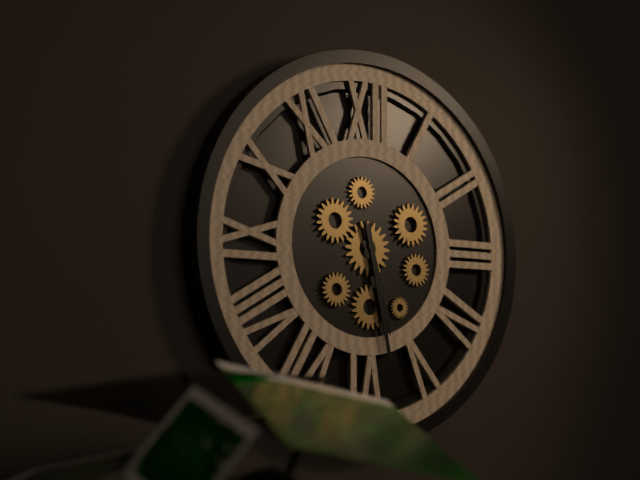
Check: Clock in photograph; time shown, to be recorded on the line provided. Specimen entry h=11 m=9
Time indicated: h=5 m=28
